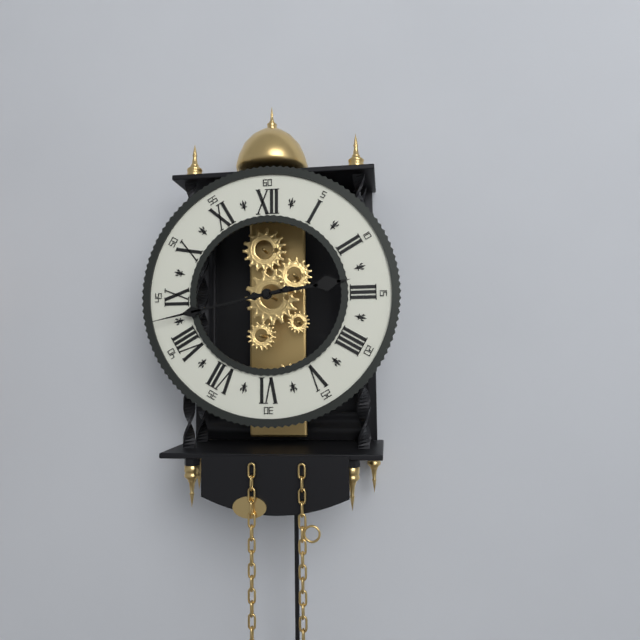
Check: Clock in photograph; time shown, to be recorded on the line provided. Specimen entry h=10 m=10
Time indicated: h=2 m=43
